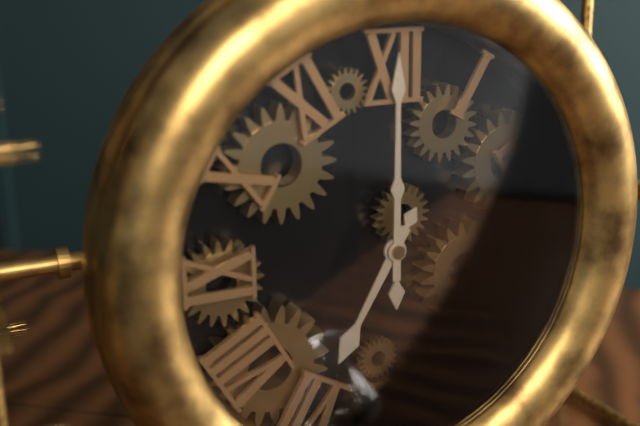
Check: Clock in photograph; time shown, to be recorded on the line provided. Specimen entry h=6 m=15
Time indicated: h=7 m=0
